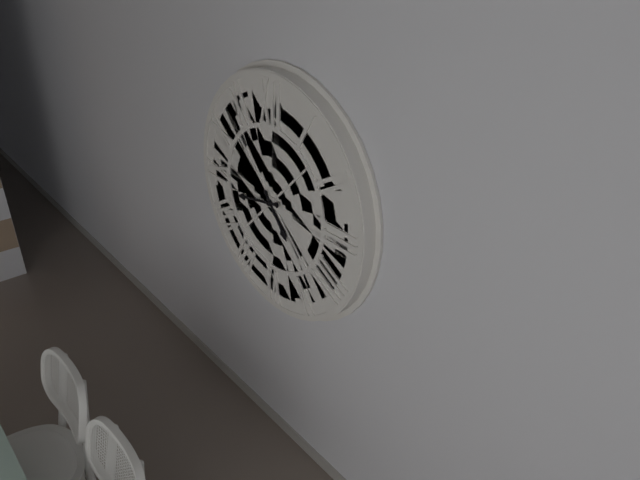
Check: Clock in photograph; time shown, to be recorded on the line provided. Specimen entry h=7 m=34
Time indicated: h=4 m=43
